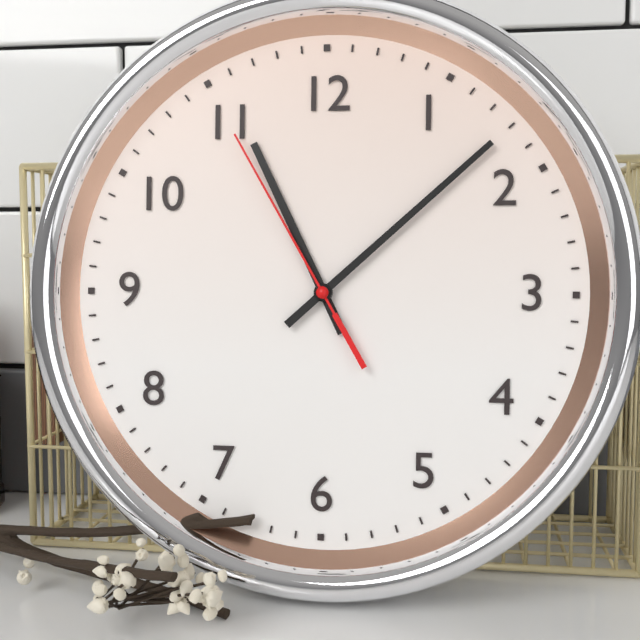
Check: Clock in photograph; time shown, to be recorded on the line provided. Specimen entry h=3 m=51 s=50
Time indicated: h=11 m=8 s=55
